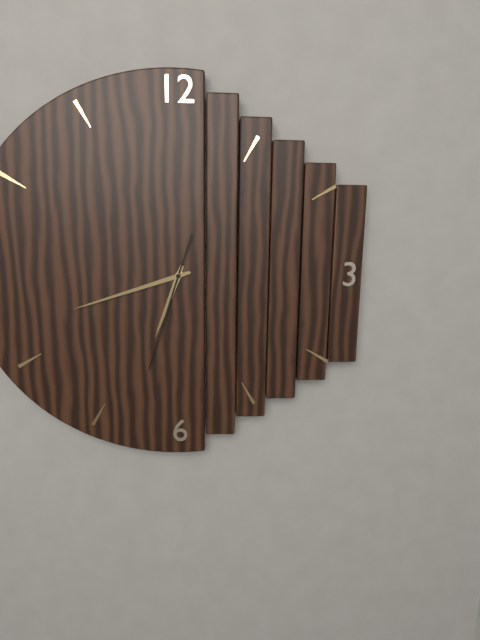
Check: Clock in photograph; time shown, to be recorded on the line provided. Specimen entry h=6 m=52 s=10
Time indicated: h=6 m=42 s=33
